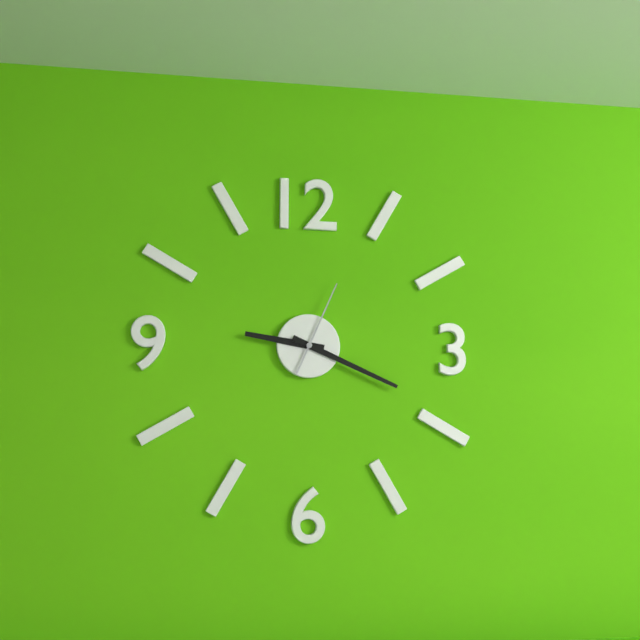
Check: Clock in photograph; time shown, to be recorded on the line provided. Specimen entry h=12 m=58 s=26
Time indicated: h=9 m=19 s=4
